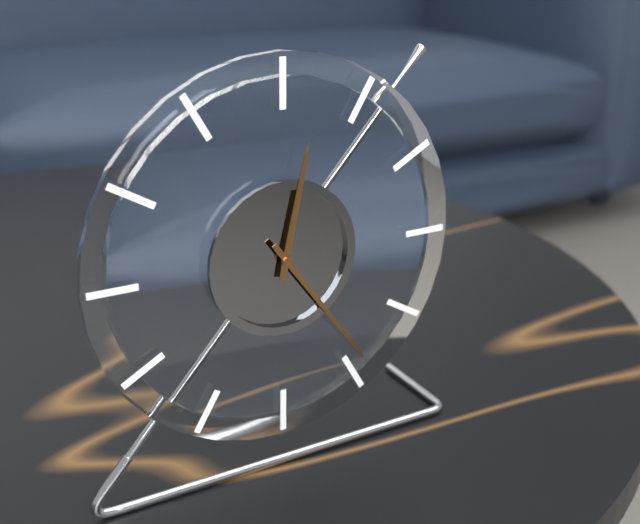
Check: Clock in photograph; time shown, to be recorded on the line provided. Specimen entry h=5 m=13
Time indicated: h=12 m=24
